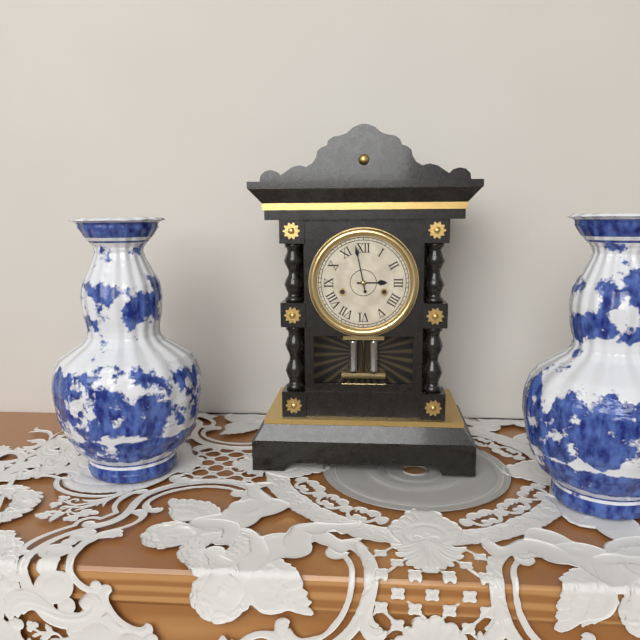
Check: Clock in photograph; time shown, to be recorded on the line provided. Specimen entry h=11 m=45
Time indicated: h=2 m=58
